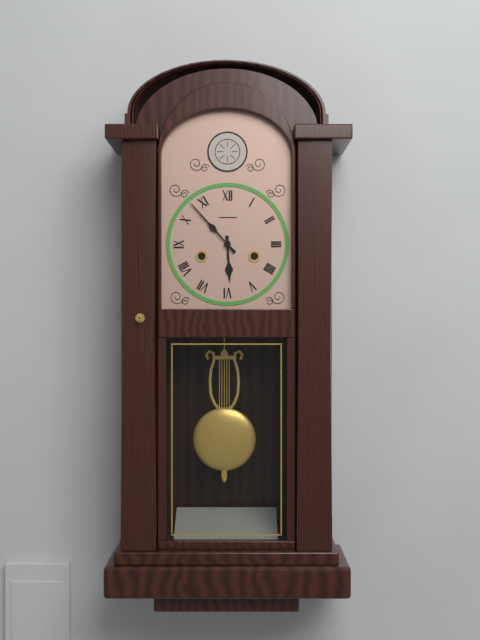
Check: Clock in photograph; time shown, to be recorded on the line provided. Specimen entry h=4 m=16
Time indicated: h=5 m=53
